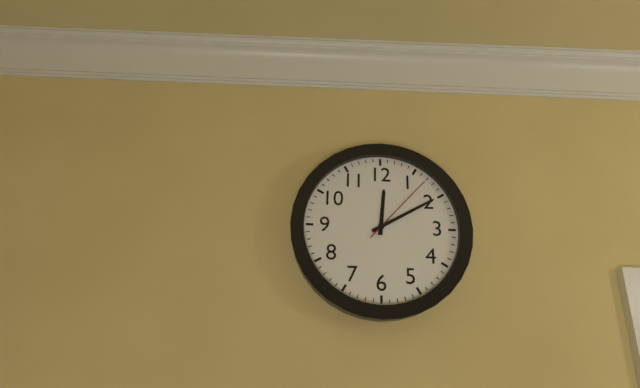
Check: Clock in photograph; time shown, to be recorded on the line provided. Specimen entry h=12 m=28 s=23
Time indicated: h=12 m=10 s=7
